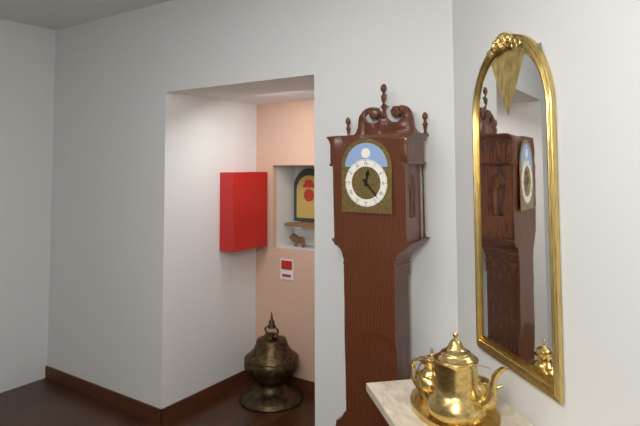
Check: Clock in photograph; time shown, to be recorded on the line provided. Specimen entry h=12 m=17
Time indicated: h=12 m=23
